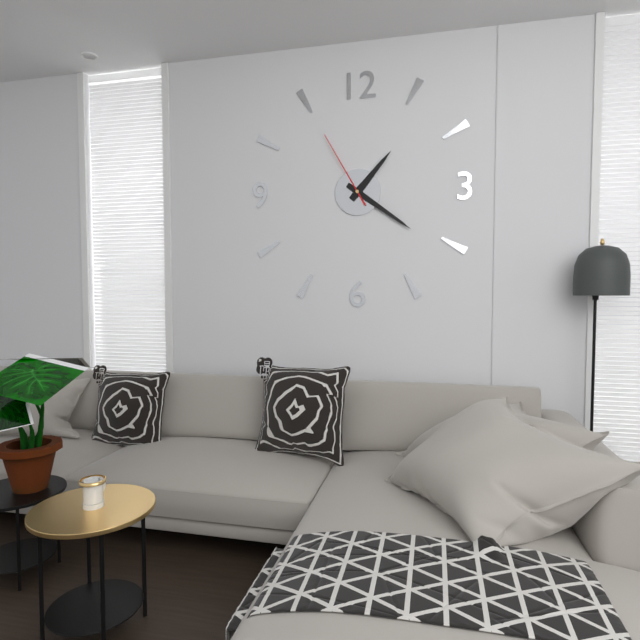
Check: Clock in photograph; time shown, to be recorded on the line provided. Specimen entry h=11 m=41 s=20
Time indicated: h=1 m=21 s=55
